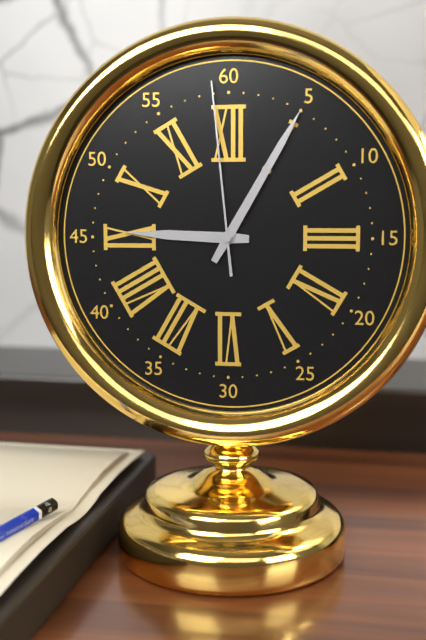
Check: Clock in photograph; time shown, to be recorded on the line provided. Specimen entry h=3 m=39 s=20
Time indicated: h=9 m=5 s=59
